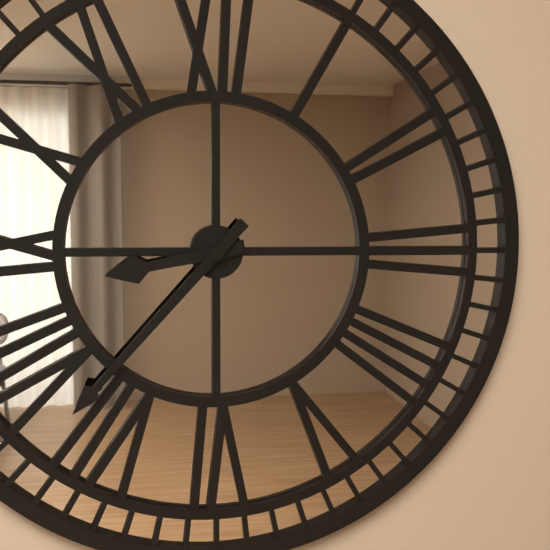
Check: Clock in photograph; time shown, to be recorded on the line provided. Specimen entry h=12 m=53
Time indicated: h=8 m=37
